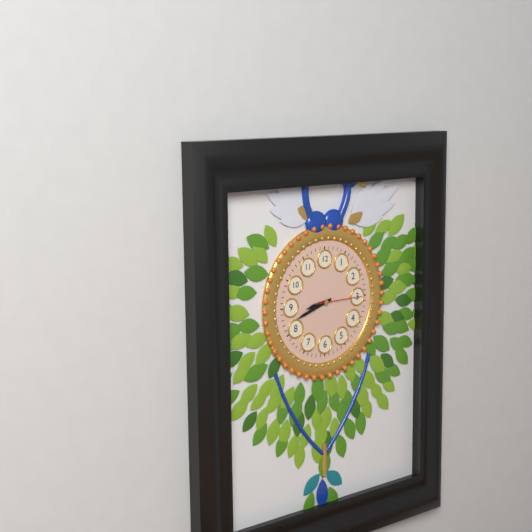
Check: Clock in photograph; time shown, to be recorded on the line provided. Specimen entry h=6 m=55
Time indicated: h=8 m=42
